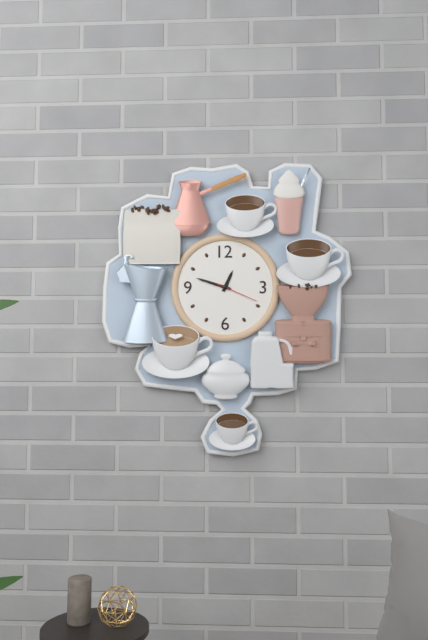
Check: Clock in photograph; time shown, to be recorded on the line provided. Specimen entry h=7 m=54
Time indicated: h=12 m=48
